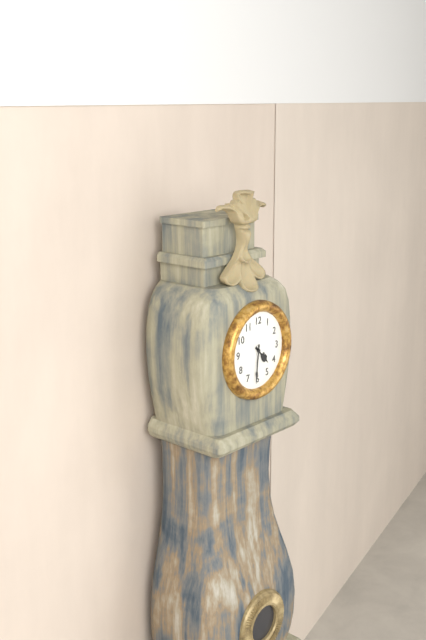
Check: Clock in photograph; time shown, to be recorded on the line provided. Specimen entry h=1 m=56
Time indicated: h=4 m=31
